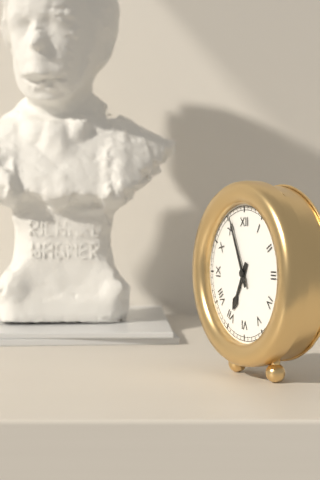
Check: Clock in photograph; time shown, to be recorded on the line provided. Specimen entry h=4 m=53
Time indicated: h=6 m=56
